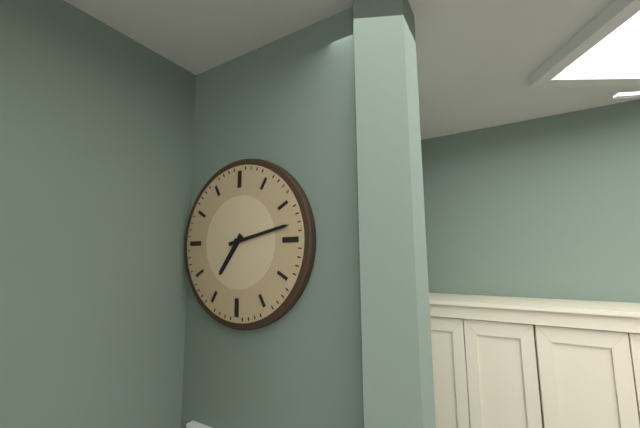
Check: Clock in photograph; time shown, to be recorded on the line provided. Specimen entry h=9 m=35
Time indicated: h=7 m=13
